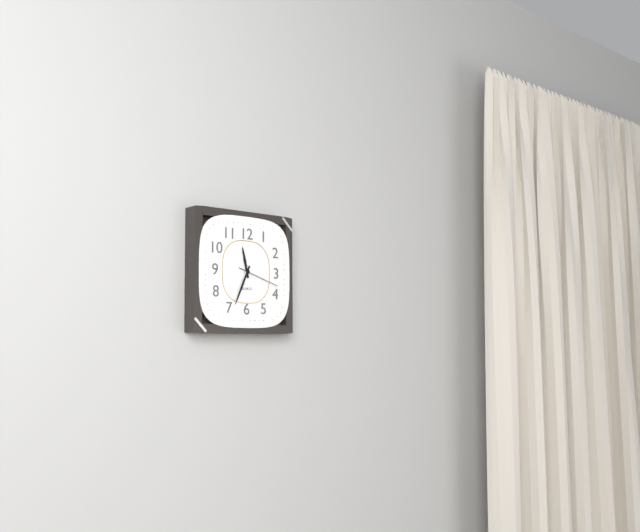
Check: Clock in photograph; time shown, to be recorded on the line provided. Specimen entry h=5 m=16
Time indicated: h=11 m=34
